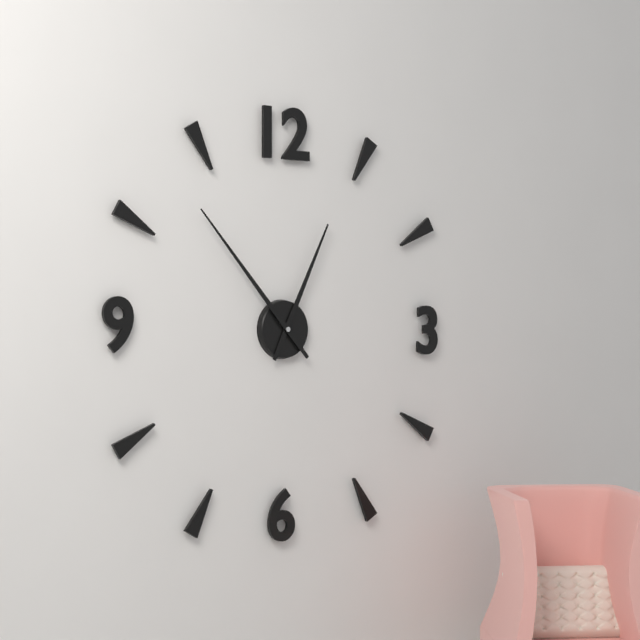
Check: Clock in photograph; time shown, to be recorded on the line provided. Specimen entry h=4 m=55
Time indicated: h=12 m=53
